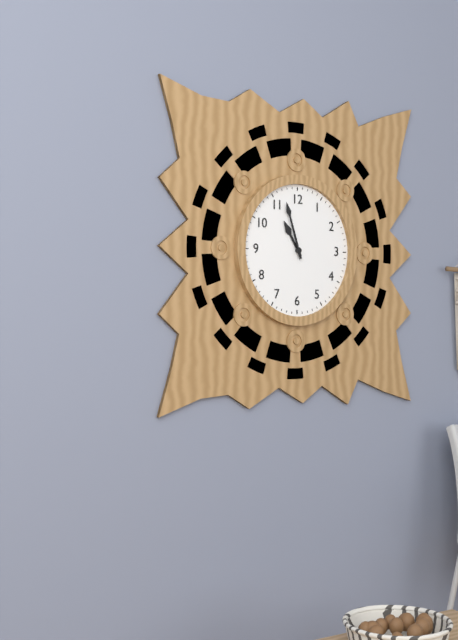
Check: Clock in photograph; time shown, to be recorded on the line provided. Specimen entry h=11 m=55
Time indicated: h=10 m=57
